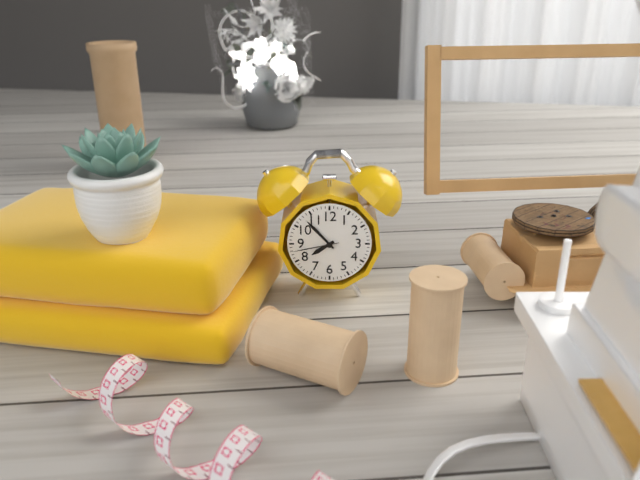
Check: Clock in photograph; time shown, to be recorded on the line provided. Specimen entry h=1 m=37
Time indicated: h=7 m=53
